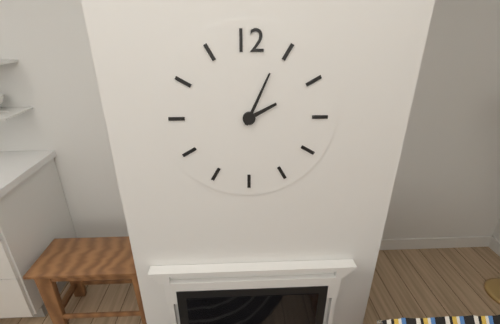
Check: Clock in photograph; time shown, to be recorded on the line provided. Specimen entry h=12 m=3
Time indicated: h=2 m=4
